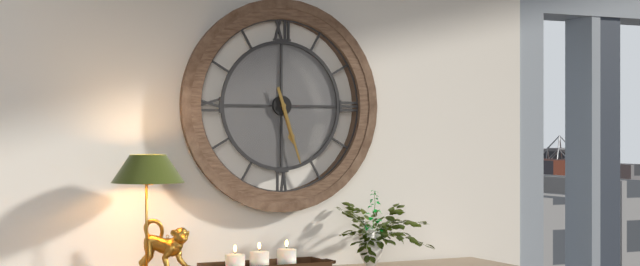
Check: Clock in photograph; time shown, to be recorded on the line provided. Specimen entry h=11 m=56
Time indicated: h=5 m=27
